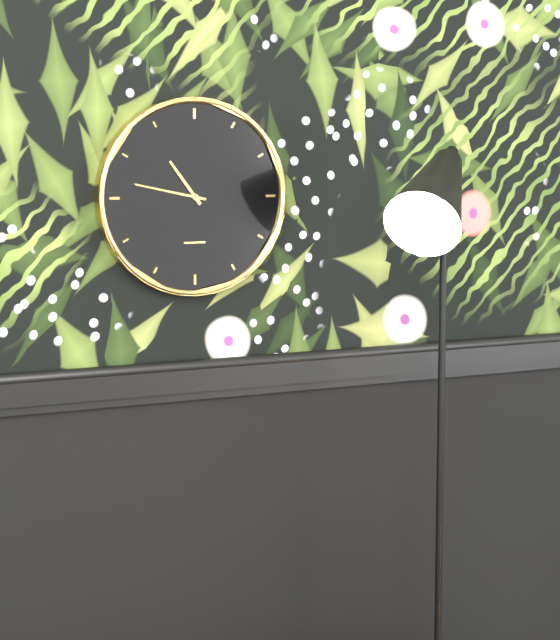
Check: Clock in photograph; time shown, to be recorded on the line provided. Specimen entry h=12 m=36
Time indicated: h=10 m=47
